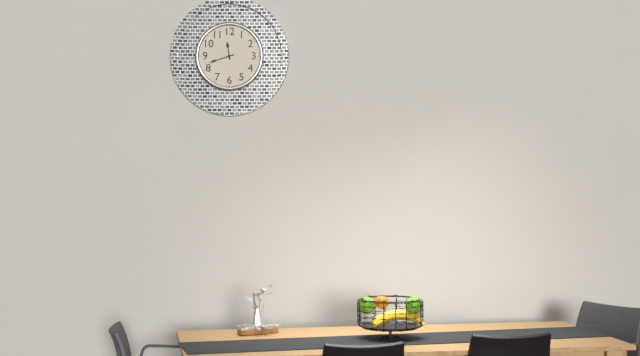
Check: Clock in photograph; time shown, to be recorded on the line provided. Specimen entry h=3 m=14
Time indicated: h=11 m=42
